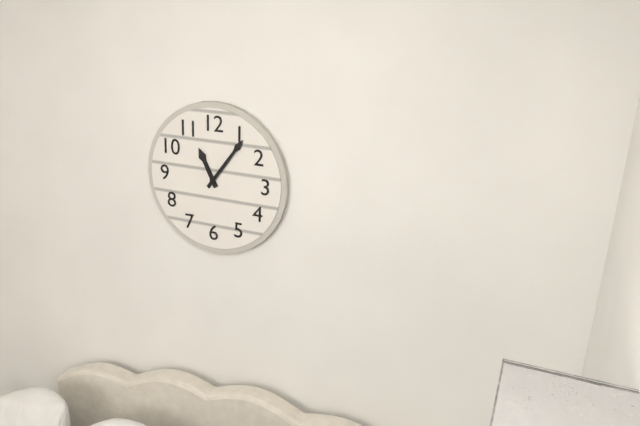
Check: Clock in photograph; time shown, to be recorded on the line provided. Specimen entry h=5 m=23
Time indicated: h=11 m=6
